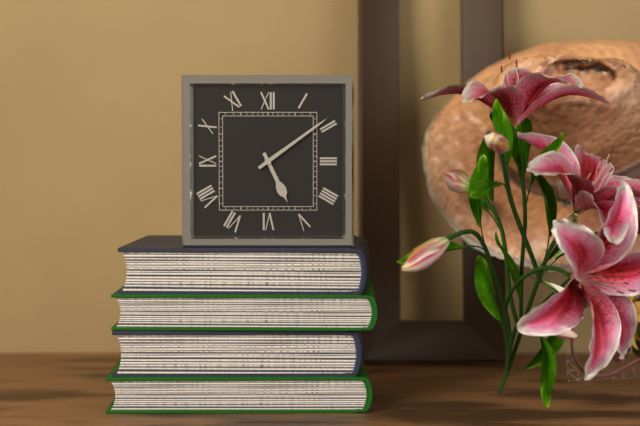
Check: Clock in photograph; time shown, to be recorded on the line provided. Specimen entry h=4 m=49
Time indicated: h=5 m=9
